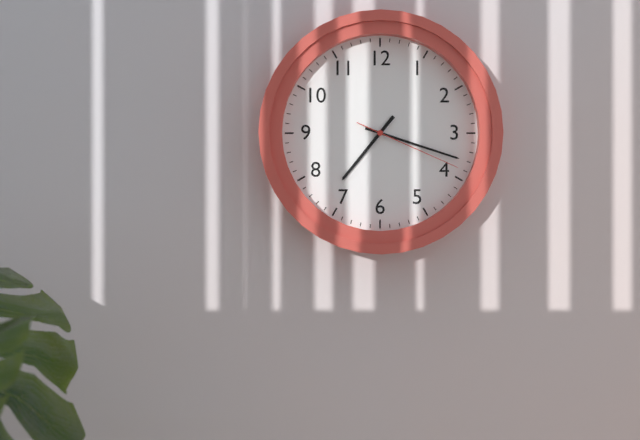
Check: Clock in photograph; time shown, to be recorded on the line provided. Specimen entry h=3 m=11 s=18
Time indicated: h=7 m=18 s=19
